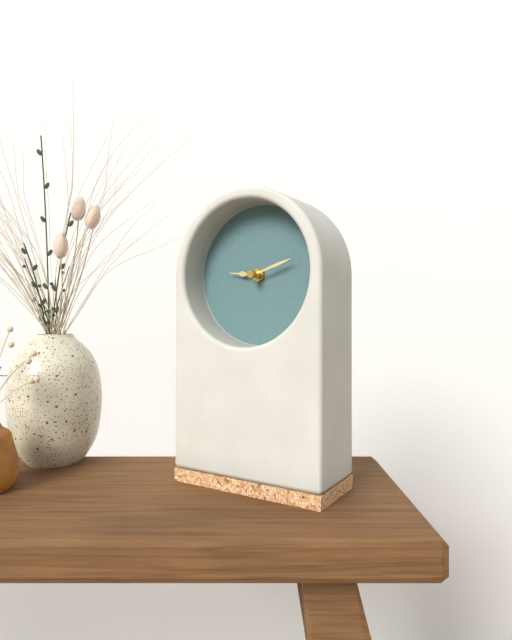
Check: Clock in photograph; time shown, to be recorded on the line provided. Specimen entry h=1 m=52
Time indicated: h=9 m=12
